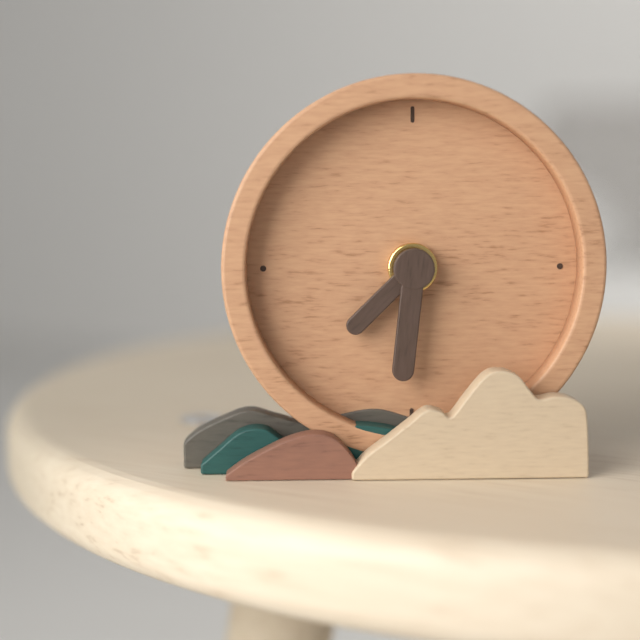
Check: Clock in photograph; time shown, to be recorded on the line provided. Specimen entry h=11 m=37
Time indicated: h=7 m=31
